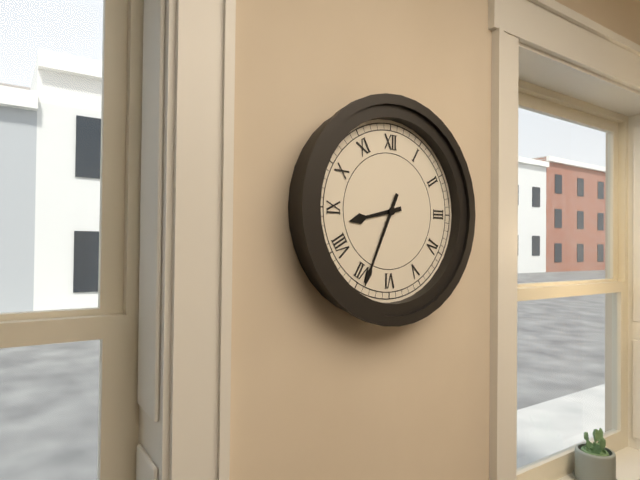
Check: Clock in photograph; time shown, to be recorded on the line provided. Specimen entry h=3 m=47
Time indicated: h=8 m=34
